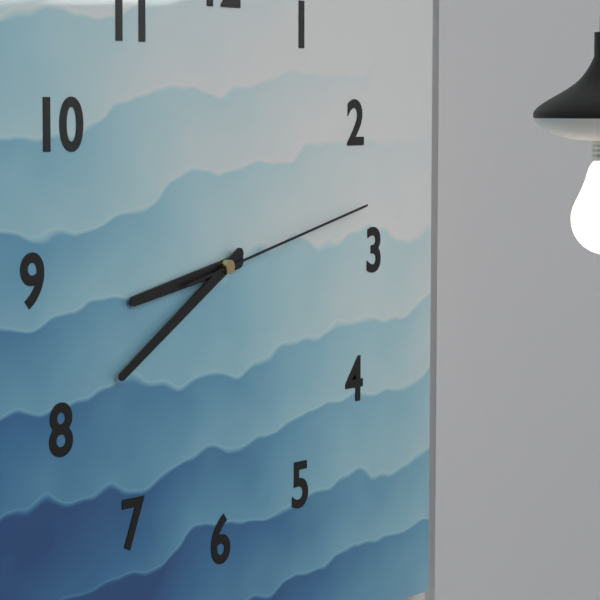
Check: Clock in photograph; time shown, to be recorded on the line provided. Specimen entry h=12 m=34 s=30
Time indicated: h=8 m=40 s=13
